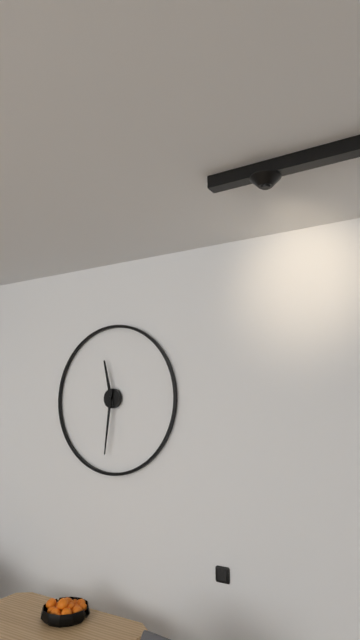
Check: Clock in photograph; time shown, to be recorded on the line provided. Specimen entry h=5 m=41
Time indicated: h=11 m=31
